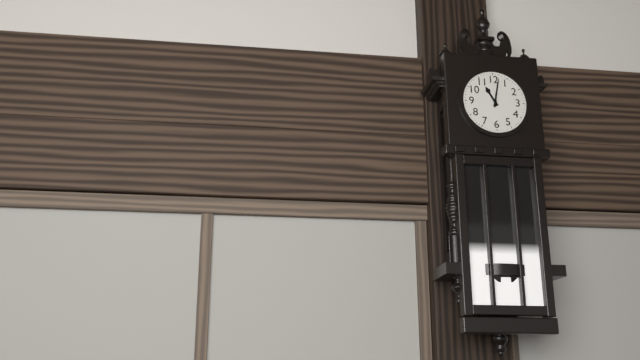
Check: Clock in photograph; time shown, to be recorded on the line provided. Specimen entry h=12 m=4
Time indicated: h=11 m=2
